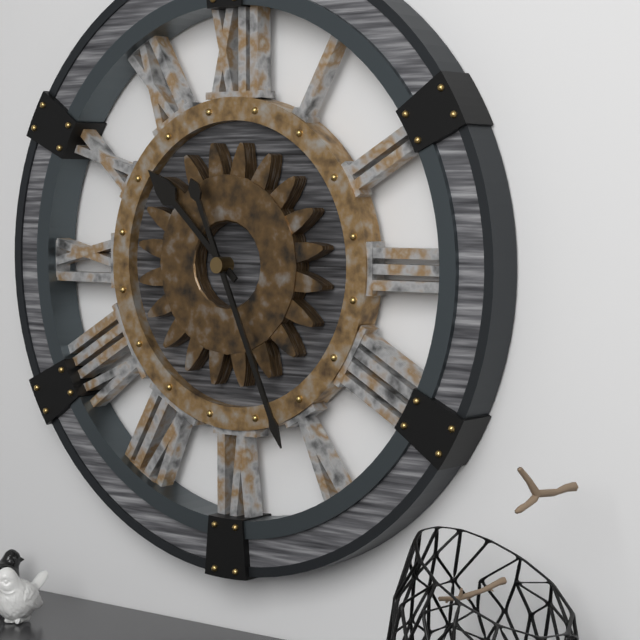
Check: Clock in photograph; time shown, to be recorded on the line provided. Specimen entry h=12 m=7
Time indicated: h=10 m=26
